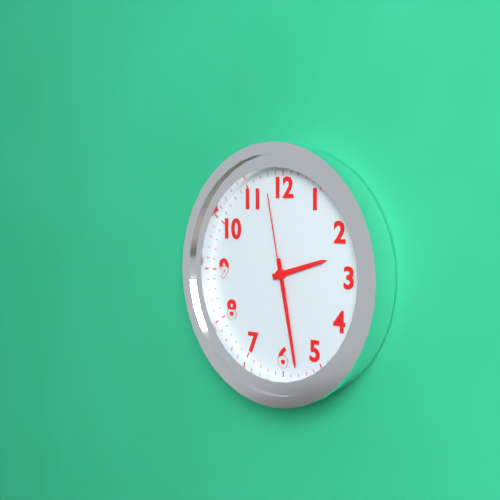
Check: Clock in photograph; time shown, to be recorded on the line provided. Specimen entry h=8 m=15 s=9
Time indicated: h=2 m=28 s=58
